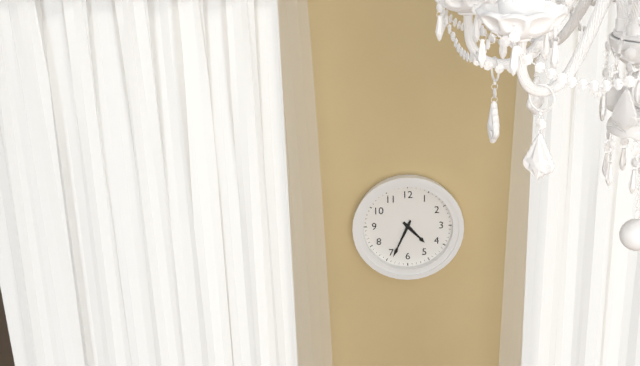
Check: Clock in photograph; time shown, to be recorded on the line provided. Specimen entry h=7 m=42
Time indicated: h=4 m=34
